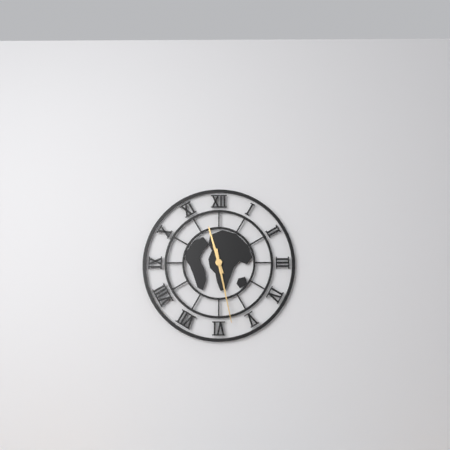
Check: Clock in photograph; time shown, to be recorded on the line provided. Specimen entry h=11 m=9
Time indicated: h=11 m=28
